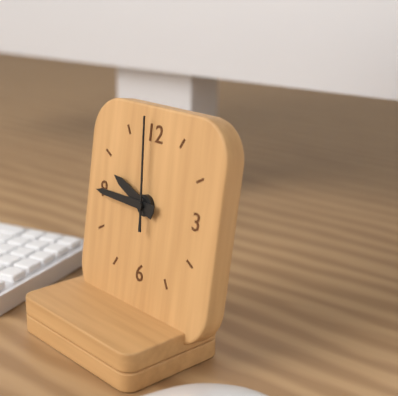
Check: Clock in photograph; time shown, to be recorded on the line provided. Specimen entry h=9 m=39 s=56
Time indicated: h=9 m=45 s=59
